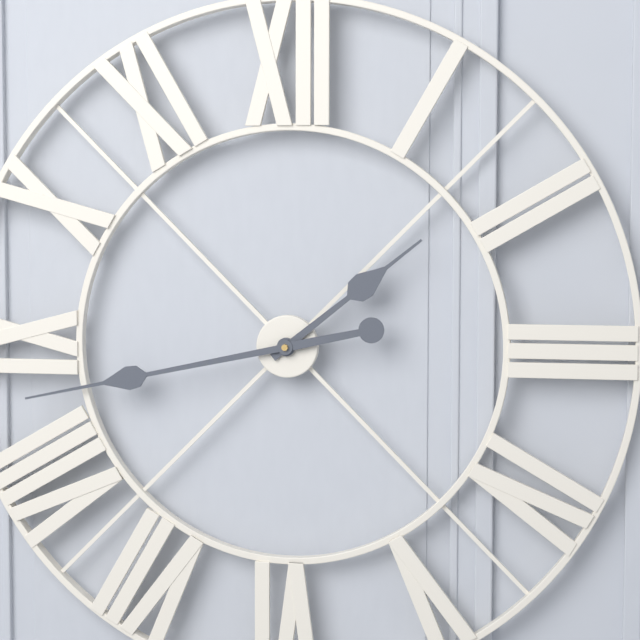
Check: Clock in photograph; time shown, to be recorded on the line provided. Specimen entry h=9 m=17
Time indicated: h=1 m=43
